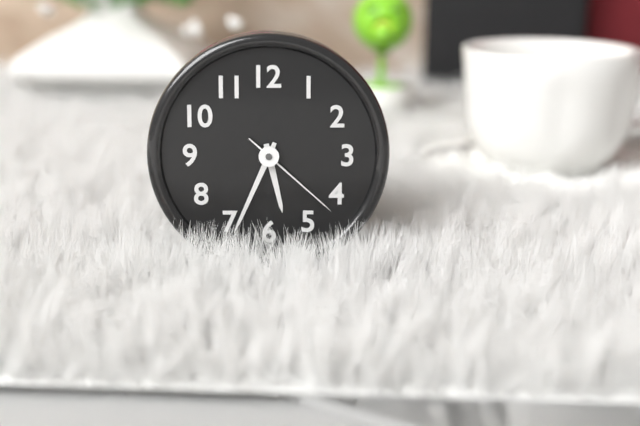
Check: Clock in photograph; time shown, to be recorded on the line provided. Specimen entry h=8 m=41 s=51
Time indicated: h=5 m=34 s=22
